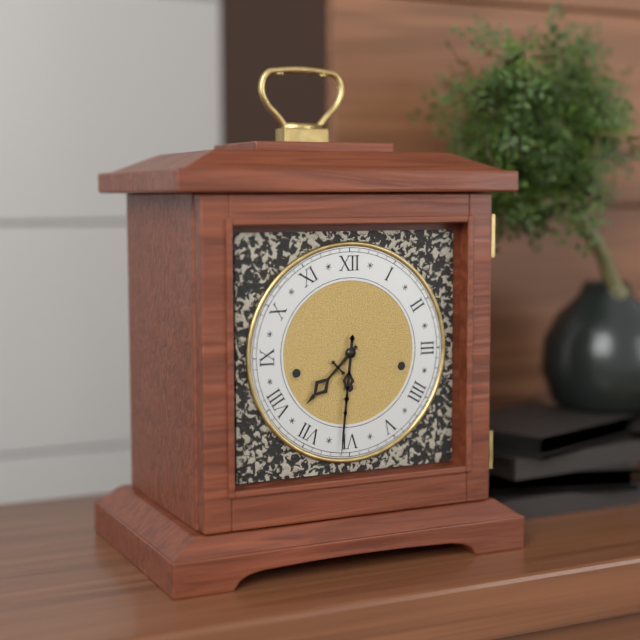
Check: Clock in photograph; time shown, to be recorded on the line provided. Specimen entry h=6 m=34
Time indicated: h=7 m=31
